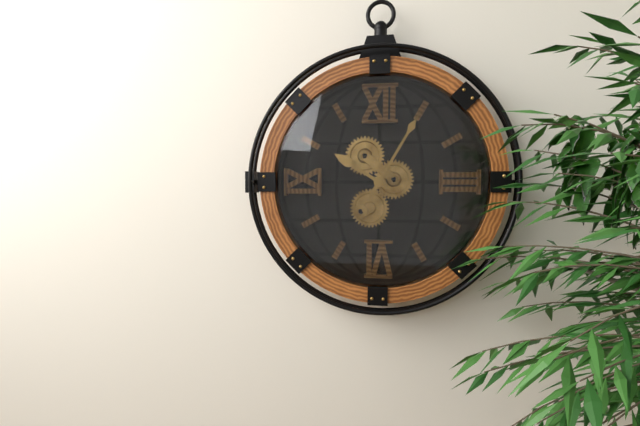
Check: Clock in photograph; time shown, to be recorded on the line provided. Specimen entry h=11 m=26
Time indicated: h=10 m=5
